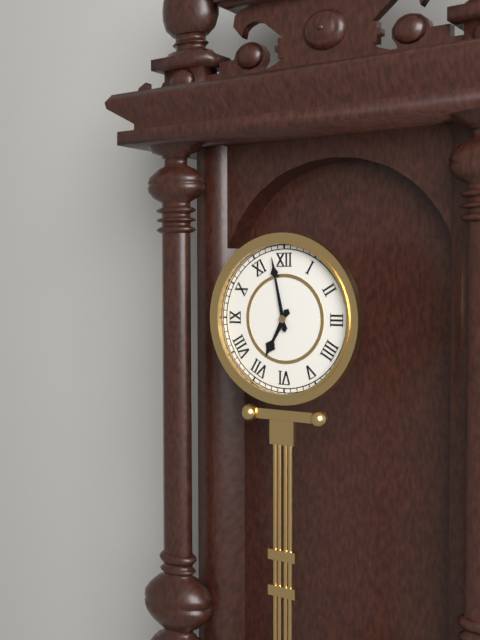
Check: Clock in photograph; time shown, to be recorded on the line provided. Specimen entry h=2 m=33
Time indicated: h=6 m=58
